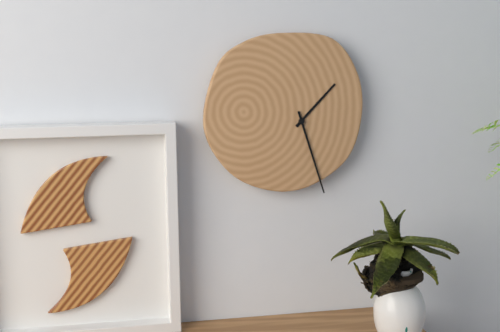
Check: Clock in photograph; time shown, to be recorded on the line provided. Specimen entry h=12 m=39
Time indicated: h=1 m=27
